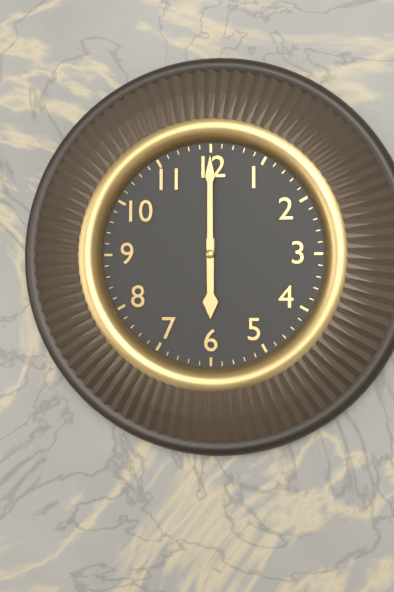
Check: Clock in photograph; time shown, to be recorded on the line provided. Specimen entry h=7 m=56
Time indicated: h=6 m=0
